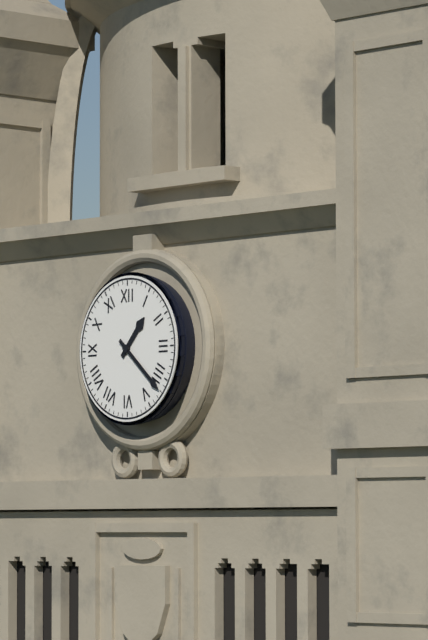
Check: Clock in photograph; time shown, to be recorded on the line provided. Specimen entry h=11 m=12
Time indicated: h=1 m=22
